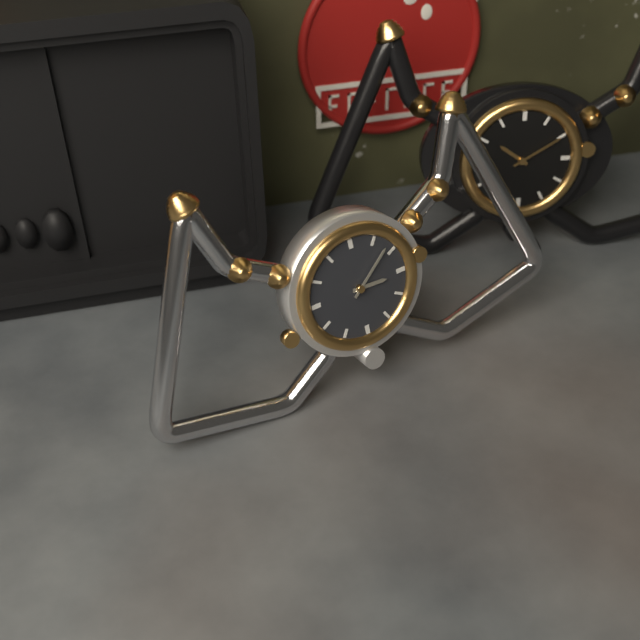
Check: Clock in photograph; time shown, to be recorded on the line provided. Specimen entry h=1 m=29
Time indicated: h=3 m=8
